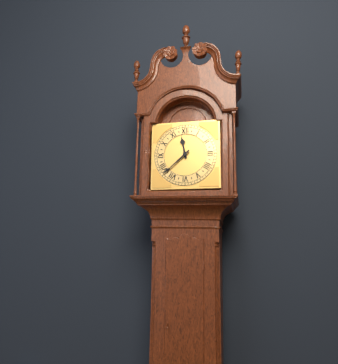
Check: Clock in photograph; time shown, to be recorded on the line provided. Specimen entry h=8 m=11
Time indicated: h=11 m=38
